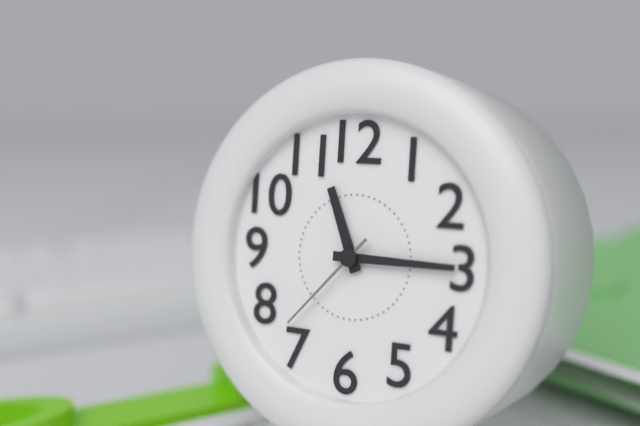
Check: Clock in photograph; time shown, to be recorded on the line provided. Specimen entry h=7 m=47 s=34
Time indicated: h=11 m=15 s=37
